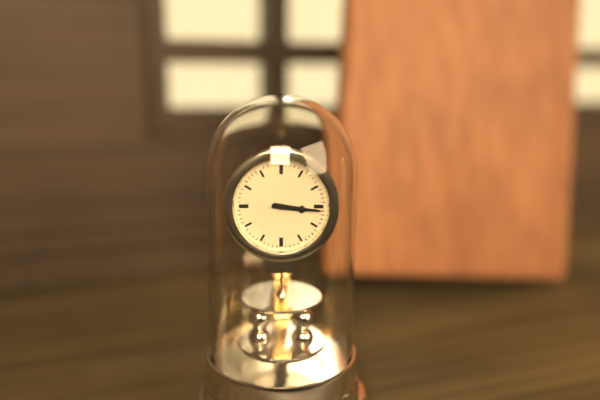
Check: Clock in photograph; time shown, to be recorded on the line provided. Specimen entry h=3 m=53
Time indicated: h=3 m=16
